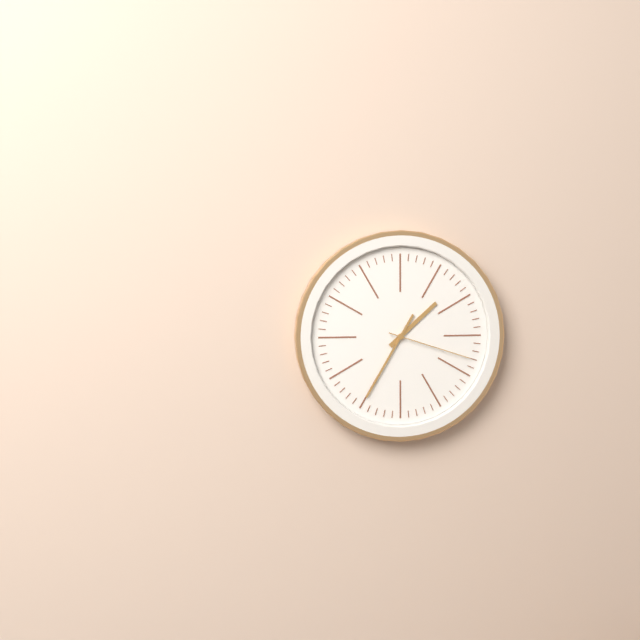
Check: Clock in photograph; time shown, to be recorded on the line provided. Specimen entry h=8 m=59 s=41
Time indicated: h=1 m=35 s=18
